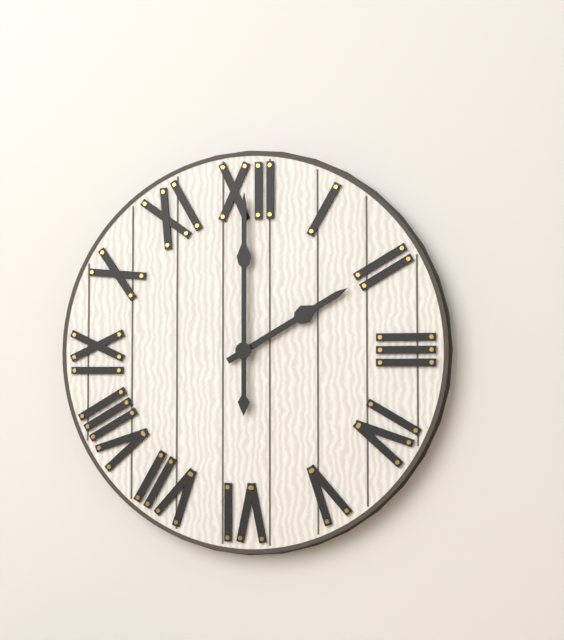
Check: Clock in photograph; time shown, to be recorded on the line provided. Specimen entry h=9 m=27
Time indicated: h=2 m=0
